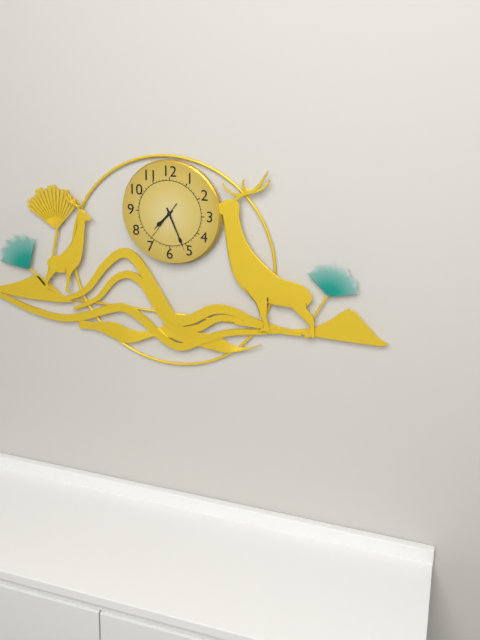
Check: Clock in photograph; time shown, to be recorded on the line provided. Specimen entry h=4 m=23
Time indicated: h=7 m=26
